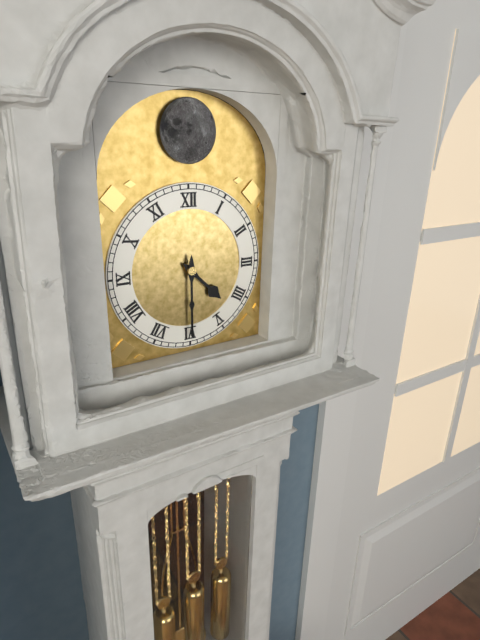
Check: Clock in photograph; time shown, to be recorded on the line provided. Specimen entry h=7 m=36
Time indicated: h=4 m=30
